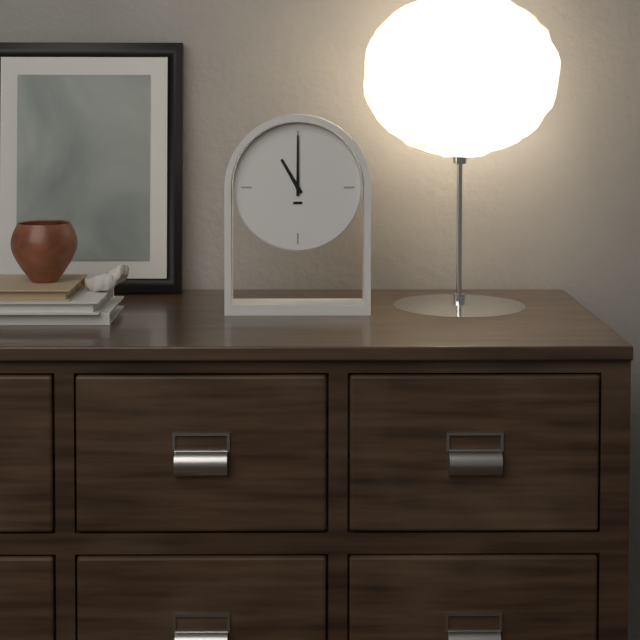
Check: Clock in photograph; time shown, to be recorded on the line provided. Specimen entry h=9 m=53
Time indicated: h=11 m=0
